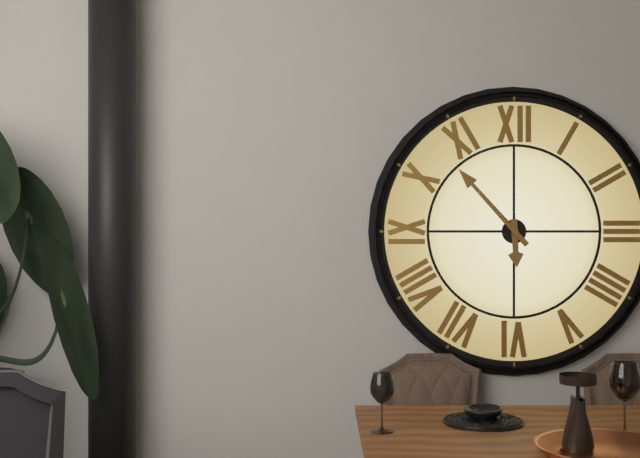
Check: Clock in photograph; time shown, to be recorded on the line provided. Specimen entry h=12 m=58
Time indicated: h=5 m=53
